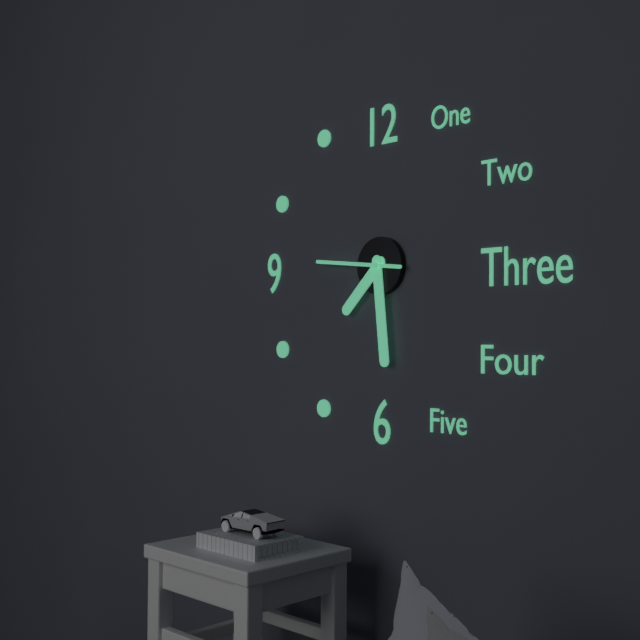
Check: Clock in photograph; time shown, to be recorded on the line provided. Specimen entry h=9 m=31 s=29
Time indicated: h=7 m=29 s=46
